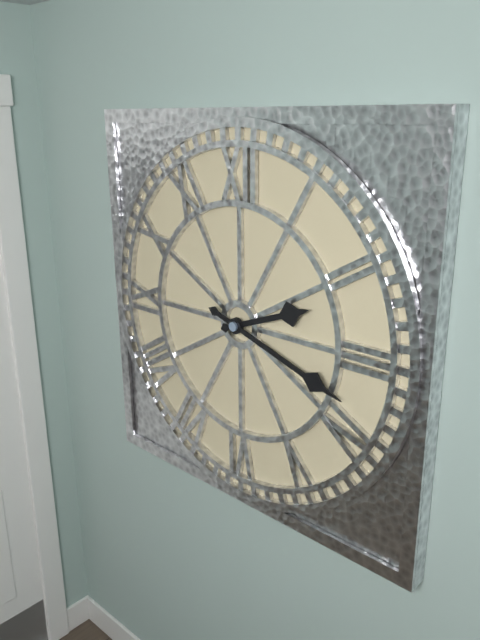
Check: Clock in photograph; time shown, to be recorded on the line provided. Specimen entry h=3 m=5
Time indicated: h=2 m=18
